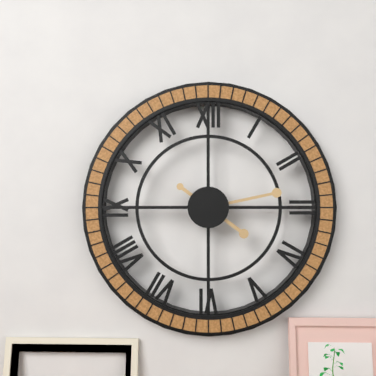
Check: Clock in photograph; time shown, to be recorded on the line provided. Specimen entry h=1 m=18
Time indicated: h=4 m=13
